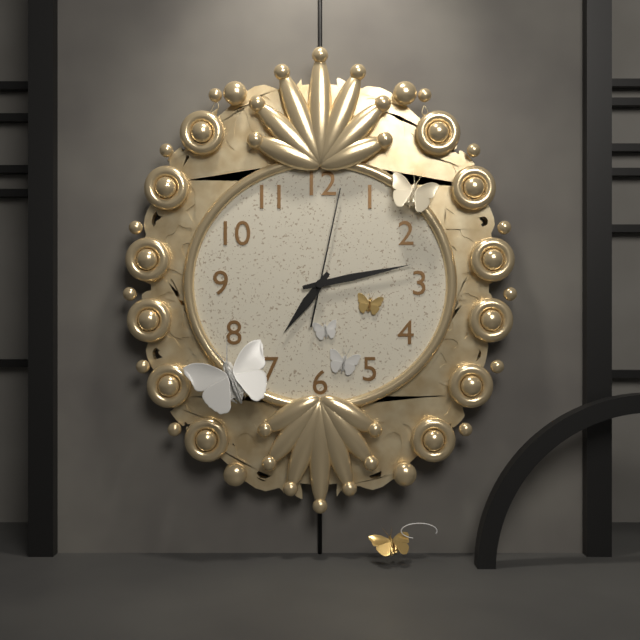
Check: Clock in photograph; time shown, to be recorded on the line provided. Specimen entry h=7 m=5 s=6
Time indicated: h=7 m=13 s=2
